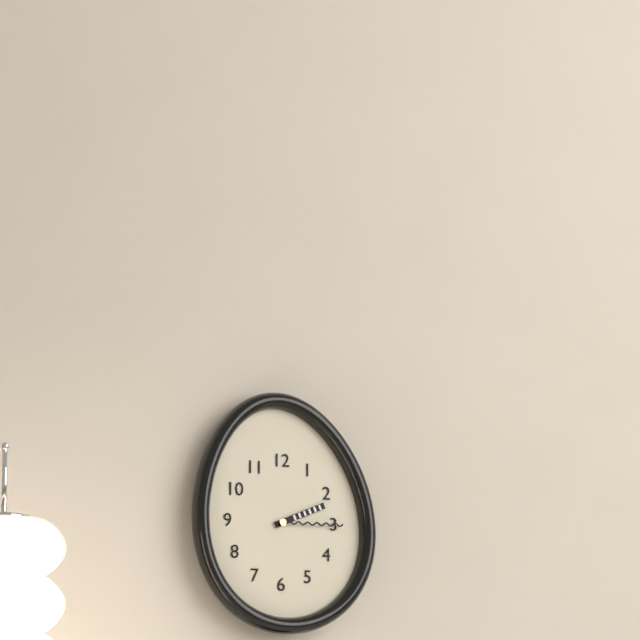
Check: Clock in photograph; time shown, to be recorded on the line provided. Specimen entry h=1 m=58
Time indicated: h=2 m=15
